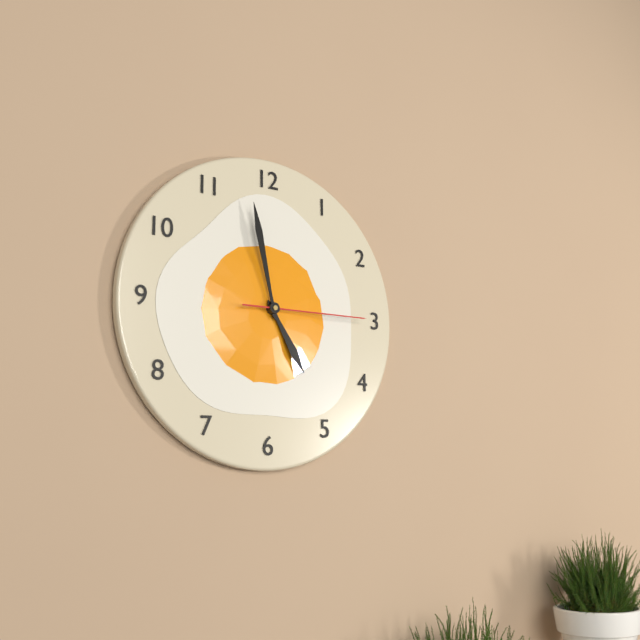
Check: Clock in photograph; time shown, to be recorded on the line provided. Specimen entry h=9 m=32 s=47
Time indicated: h=4 m=58 s=15
